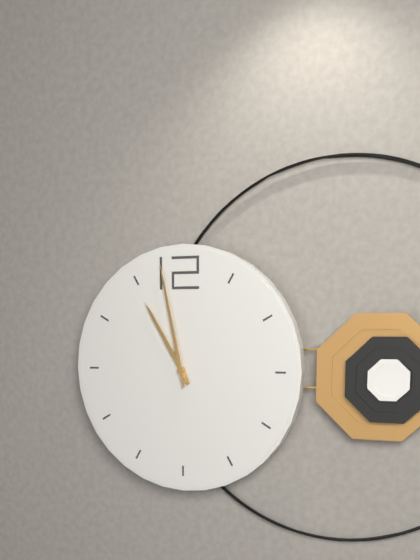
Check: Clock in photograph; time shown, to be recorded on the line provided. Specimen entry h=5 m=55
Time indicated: h=10 m=58
